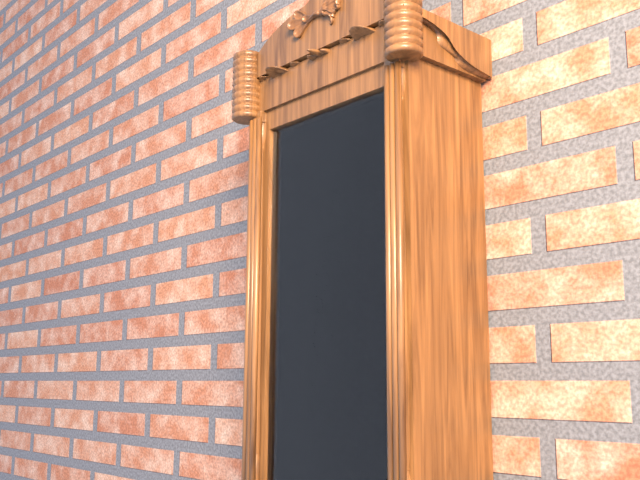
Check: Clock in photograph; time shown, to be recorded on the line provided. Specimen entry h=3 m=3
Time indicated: h=8 m=59
